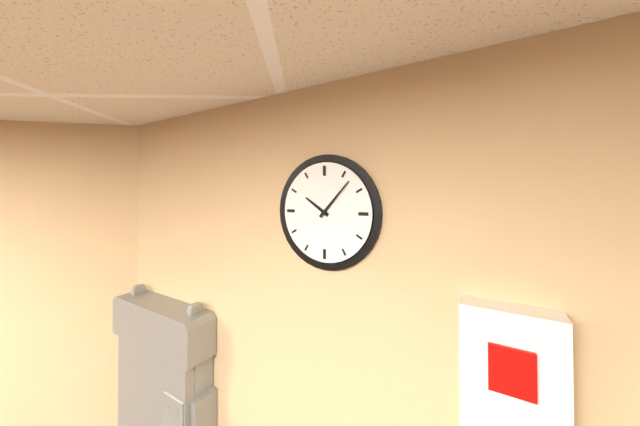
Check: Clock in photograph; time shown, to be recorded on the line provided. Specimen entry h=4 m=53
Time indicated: h=10 m=7
